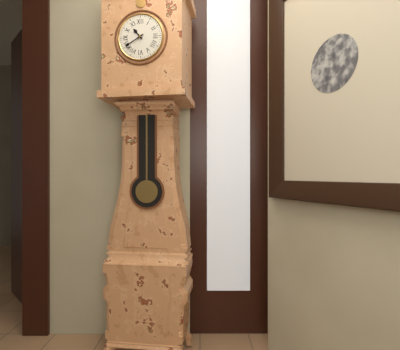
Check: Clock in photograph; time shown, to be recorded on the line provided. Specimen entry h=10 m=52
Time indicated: h=10 m=40
